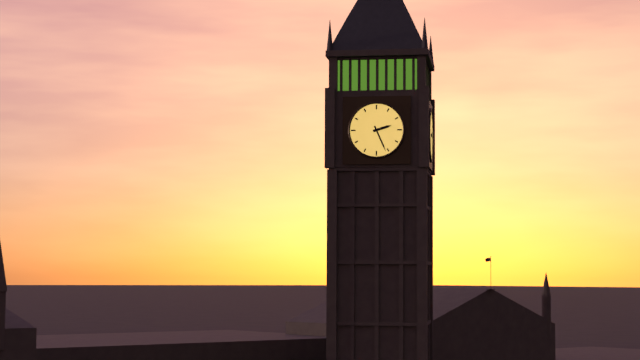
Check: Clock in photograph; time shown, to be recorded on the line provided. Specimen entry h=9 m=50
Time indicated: h=2 m=26
